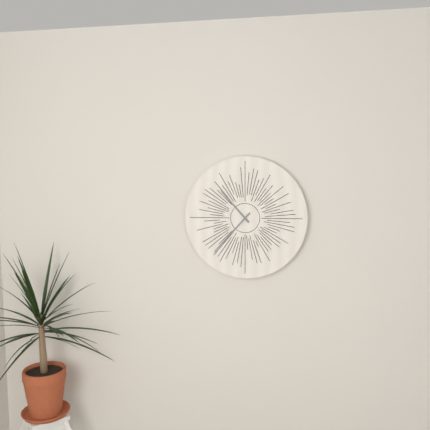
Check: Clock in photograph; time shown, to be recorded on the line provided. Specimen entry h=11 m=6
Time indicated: h=10 m=37
